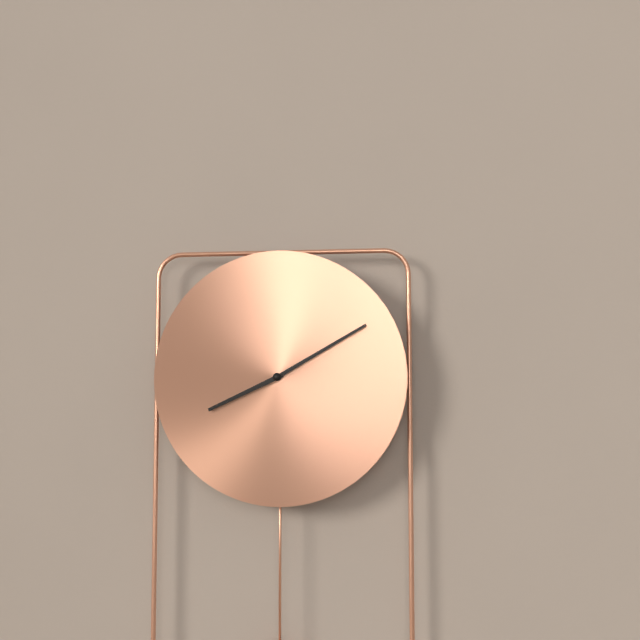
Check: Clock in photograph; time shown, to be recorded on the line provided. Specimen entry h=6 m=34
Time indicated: h=8 m=10
